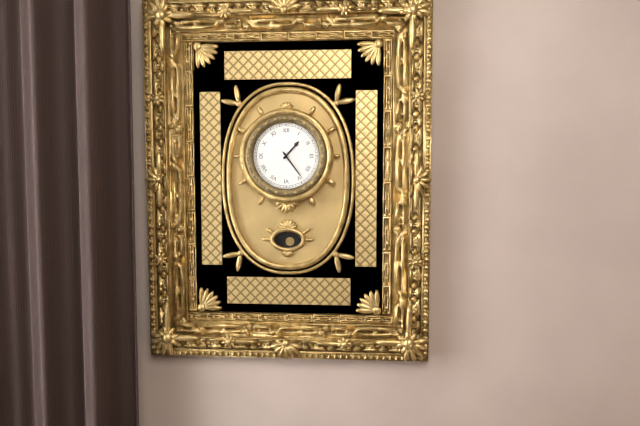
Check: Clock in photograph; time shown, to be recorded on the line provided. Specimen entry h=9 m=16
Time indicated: h=1 m=24
